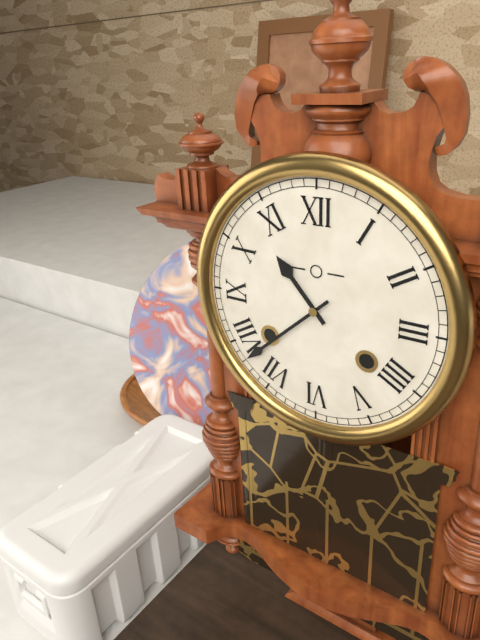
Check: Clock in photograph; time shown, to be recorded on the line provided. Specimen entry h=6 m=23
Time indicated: h=10 m=38
